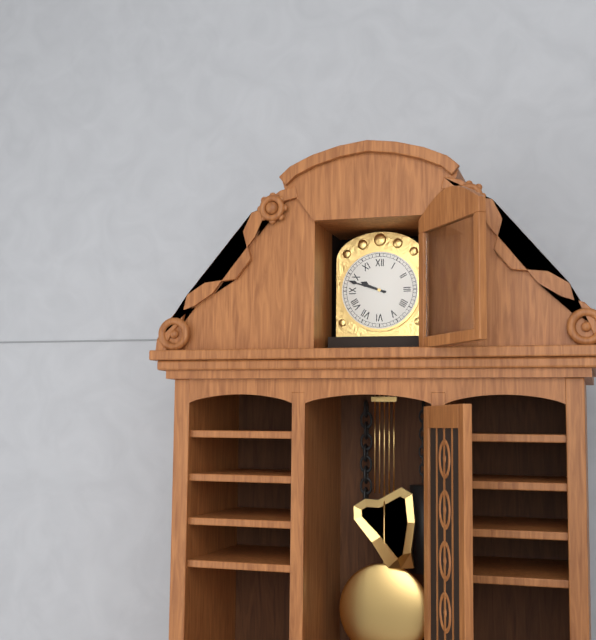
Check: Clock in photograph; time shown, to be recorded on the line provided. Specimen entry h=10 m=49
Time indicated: h=9 m=48
